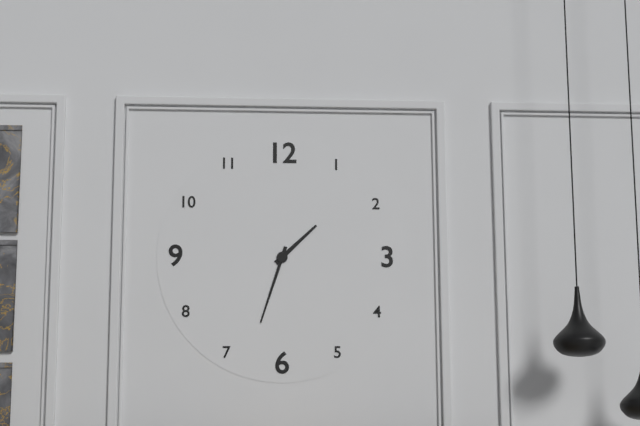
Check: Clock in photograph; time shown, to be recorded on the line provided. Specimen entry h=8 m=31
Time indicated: h=1 m=33
